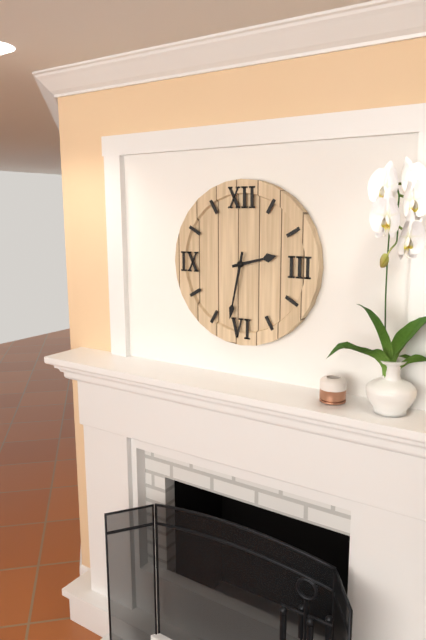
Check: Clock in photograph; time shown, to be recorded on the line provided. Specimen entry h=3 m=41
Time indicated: h=2 m=32
